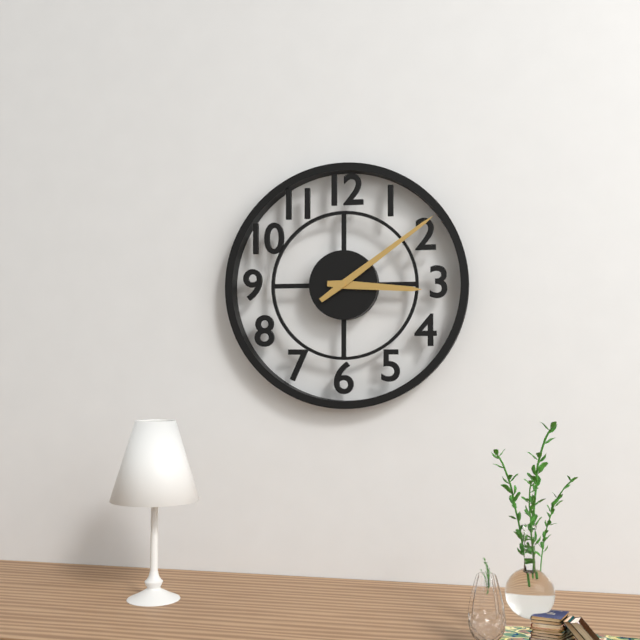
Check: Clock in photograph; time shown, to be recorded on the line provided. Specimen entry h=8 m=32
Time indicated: h=3 m=9
